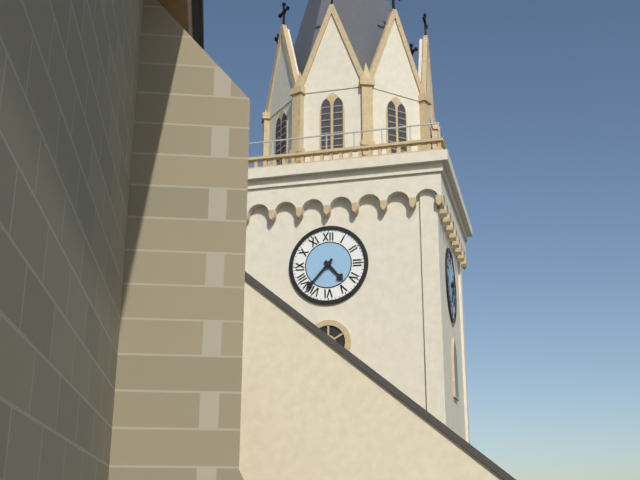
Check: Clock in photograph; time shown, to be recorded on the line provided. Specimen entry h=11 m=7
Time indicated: h=4 m=37
